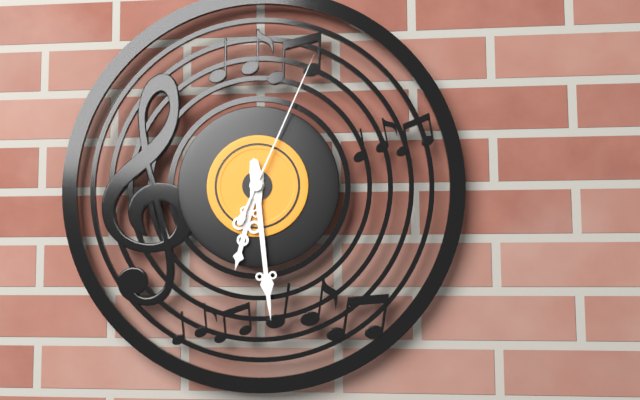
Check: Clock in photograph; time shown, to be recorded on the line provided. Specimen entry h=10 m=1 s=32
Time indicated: h=6 m=29 s=4
